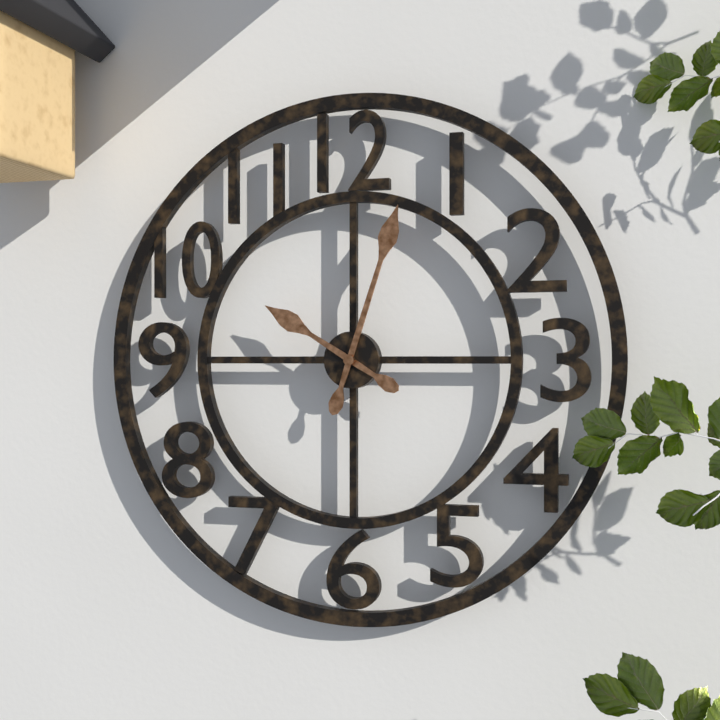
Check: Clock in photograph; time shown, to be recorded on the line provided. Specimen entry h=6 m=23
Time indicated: h=10 m=3
